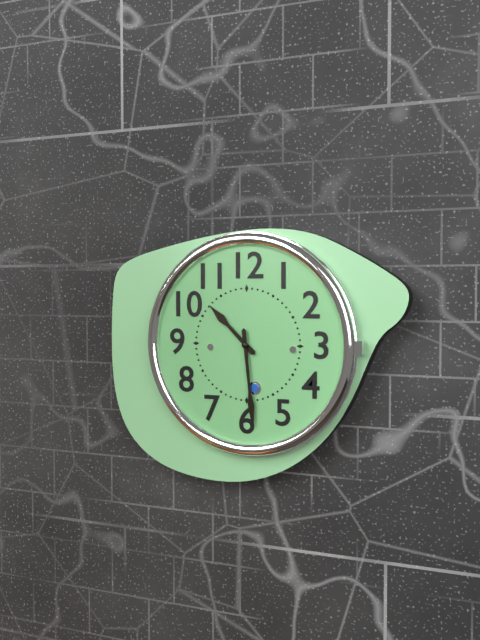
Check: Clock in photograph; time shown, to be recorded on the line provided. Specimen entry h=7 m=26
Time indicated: h=10 m=29
